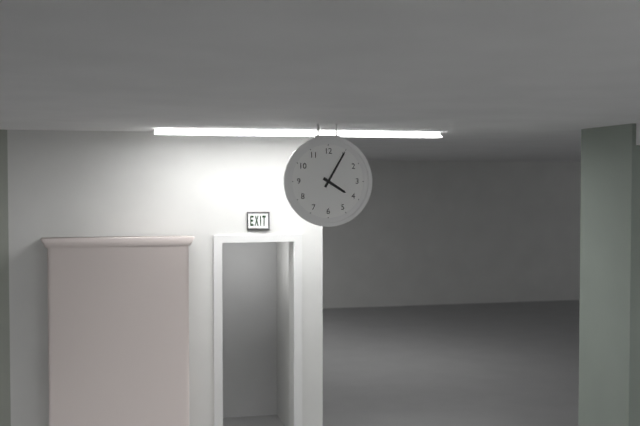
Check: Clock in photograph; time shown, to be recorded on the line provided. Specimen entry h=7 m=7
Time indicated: h=4 m=5
